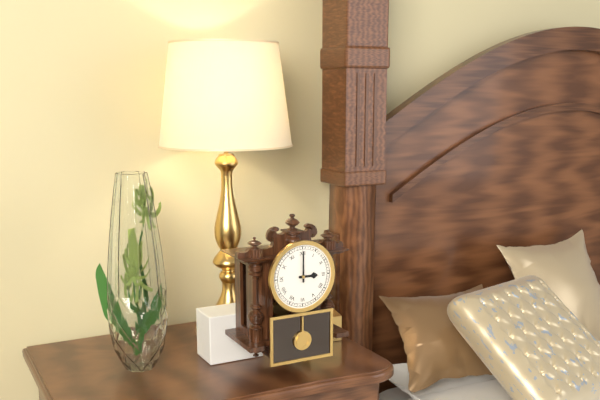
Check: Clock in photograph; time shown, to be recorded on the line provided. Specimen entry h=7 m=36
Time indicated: h=3 m=0
